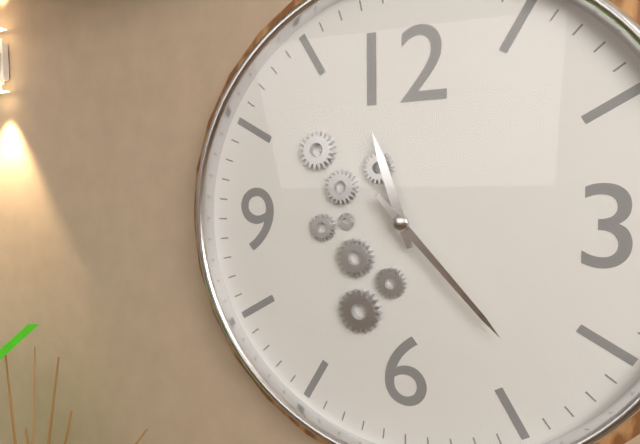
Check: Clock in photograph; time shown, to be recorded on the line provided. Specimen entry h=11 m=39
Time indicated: h=11 m=23
